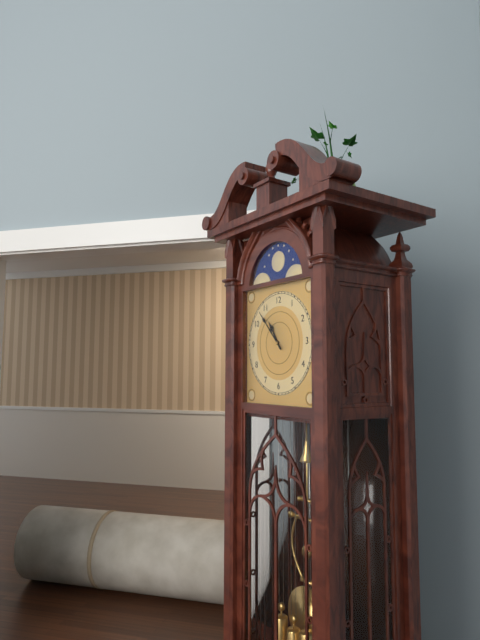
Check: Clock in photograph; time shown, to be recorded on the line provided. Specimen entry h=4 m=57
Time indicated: h=10 m=53
